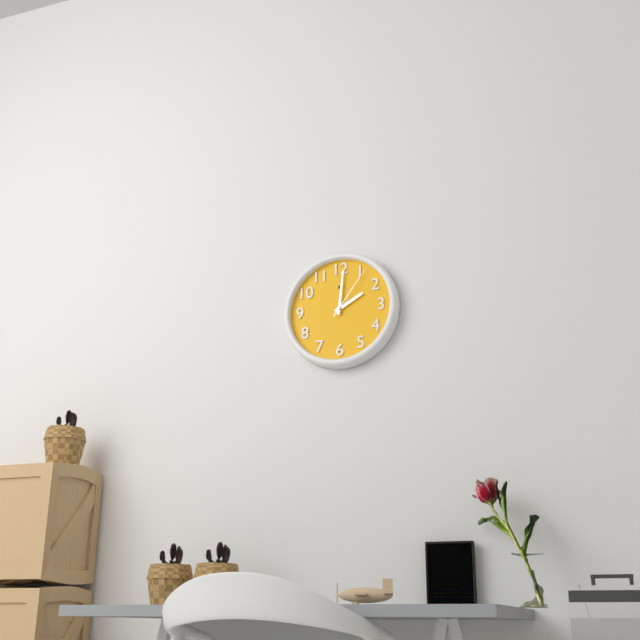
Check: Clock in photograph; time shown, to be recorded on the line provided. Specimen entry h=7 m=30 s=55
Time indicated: h=2 m=1 s=6
